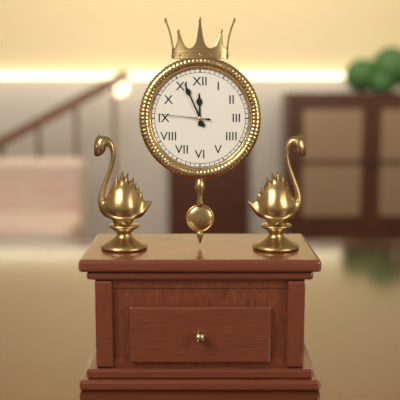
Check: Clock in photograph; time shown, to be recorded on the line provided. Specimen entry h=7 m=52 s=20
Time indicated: h=11 m=56 s=46
